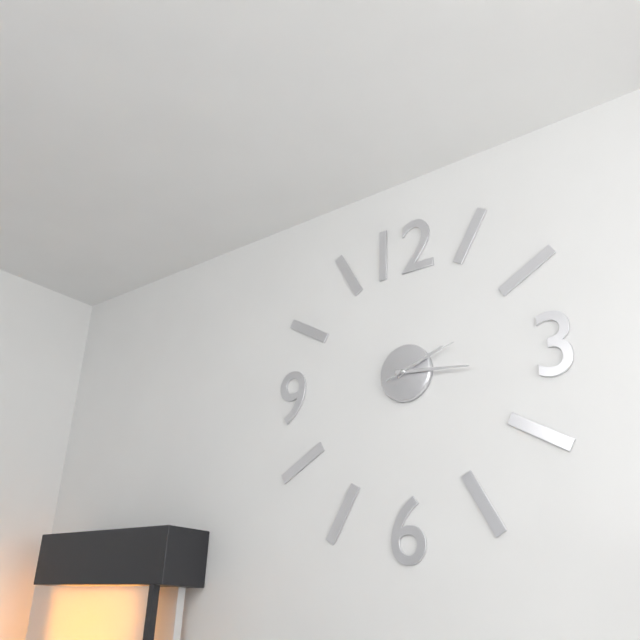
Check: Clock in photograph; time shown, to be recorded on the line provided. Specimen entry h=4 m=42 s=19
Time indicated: h=2 m=16 s=12
